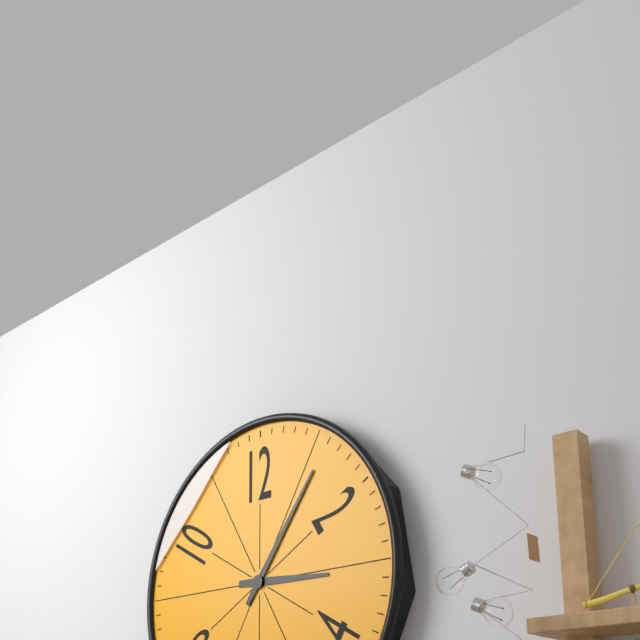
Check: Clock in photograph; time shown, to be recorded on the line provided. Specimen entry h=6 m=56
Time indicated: h=3 m=6
